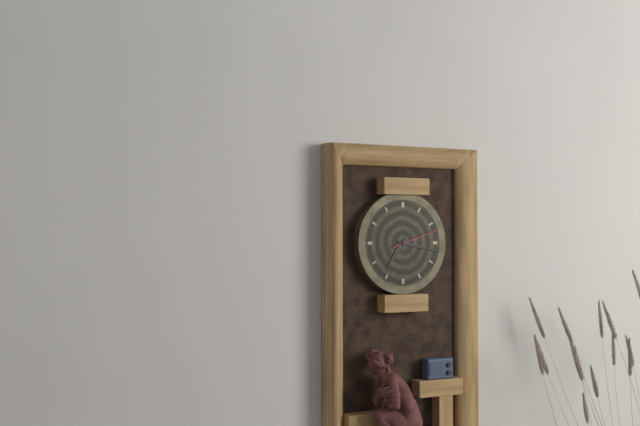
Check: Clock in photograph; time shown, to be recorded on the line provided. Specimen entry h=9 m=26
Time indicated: h=7 m=17
